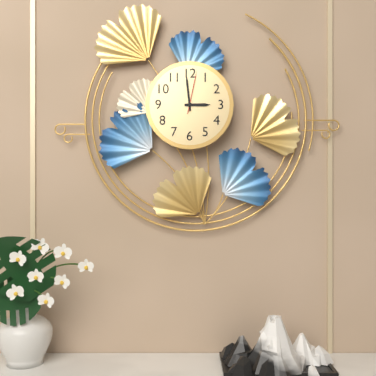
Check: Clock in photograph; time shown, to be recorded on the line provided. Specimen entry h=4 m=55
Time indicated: h=2 m=59
